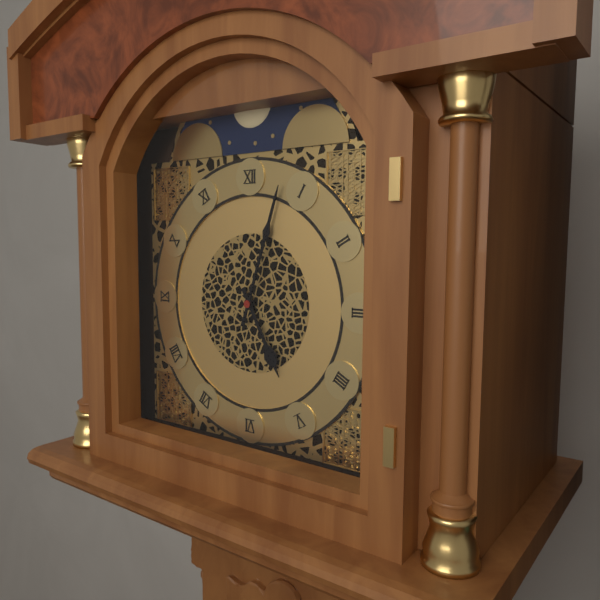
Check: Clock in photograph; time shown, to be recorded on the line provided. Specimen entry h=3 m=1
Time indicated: h=5 m=3
